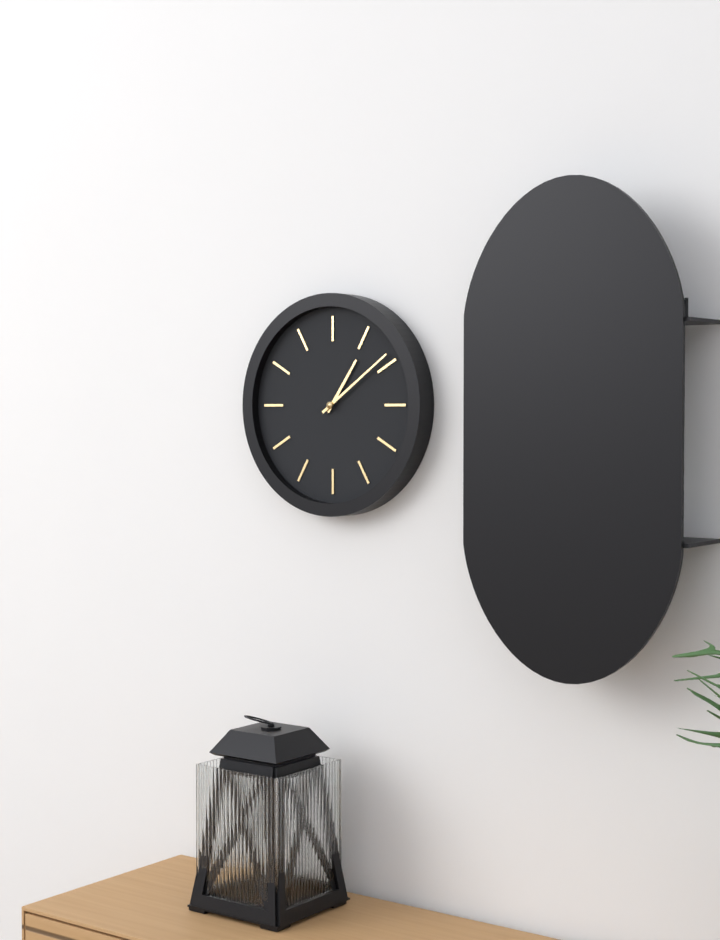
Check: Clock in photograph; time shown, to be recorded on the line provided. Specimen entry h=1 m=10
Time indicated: h=1 m=9
